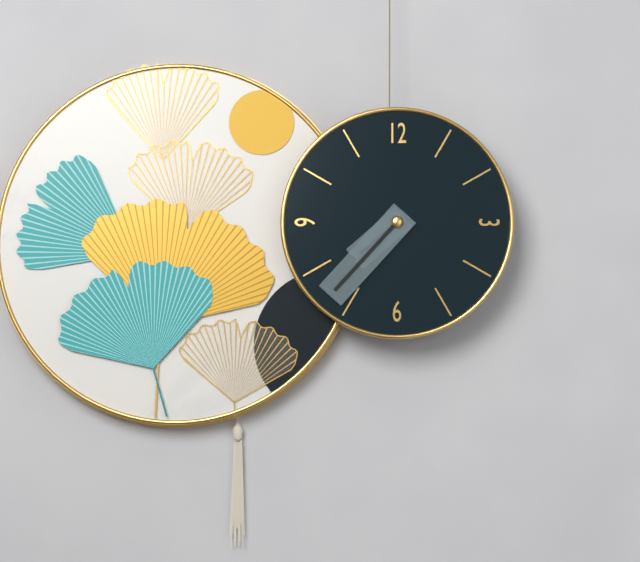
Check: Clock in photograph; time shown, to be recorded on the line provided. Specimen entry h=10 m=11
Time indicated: h=7 m=37
